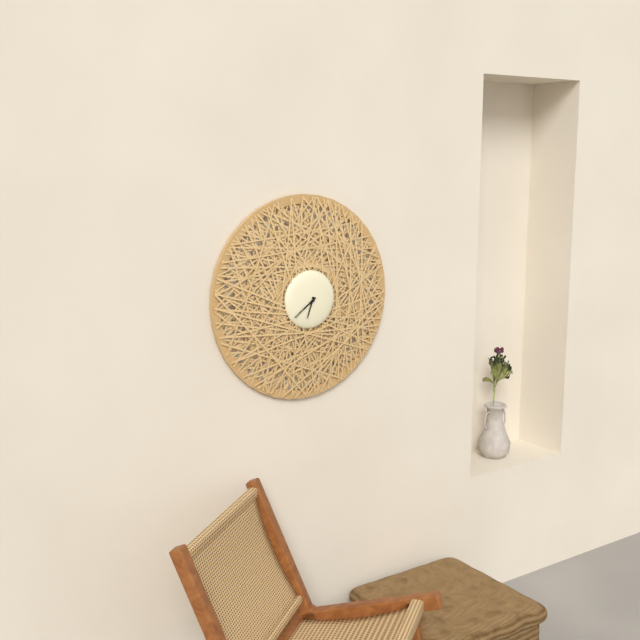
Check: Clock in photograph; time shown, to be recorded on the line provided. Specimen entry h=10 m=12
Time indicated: h=6 m=39
